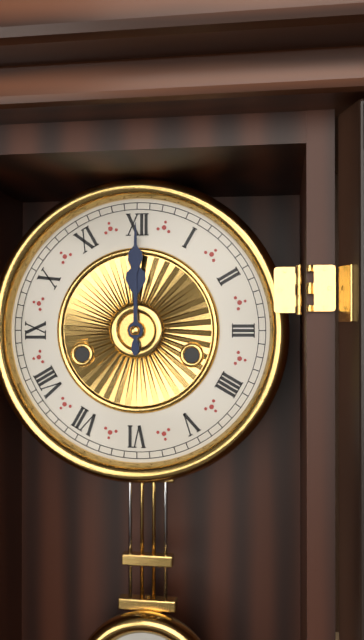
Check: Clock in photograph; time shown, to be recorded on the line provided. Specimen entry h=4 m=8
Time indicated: h=12 m=0
